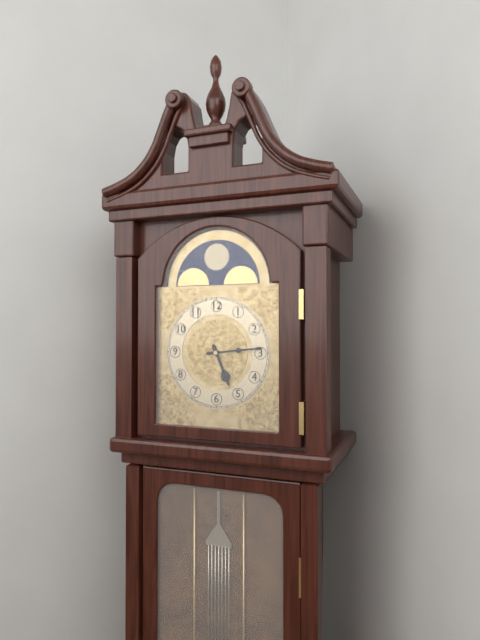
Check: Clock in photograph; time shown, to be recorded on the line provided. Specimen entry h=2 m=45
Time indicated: h=5 m=14
